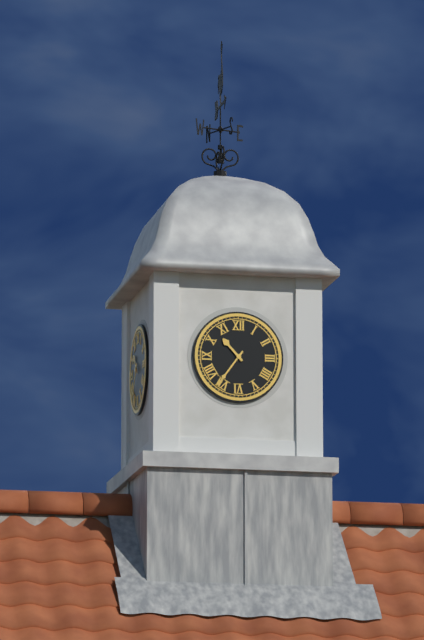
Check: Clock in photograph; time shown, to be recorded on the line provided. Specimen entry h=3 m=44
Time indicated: h=10 m=36
